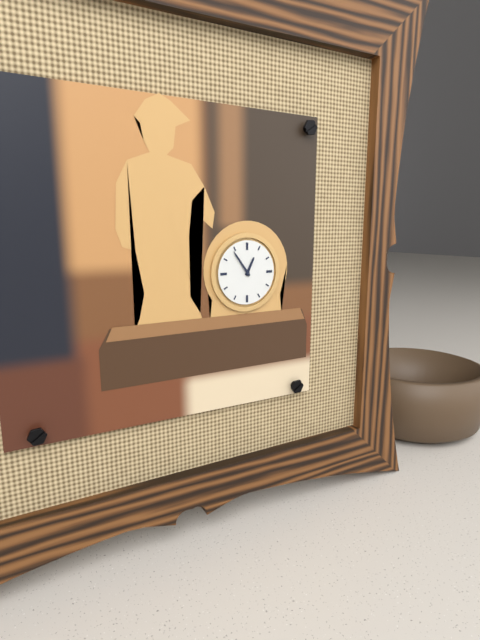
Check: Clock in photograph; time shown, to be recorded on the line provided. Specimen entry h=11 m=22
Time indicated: h=12 m=54
